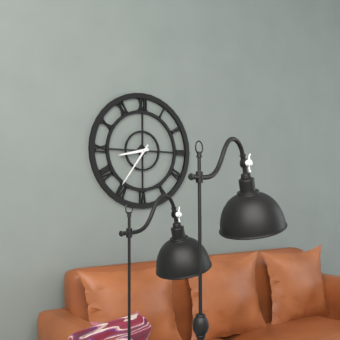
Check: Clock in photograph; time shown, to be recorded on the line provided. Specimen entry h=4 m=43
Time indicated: h=8 m=36
